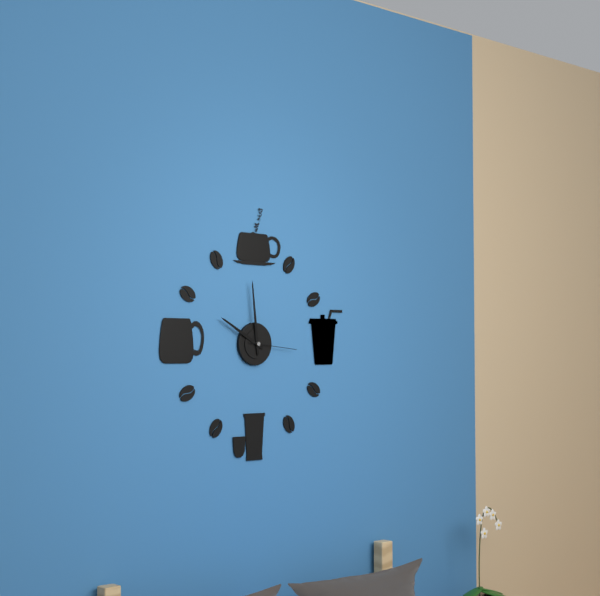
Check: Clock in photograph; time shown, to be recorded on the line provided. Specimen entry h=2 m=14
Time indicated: h=9 m=59
